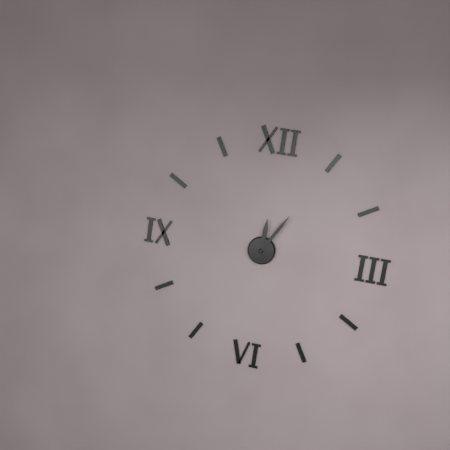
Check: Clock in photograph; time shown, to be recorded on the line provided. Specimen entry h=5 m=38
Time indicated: h=12 m=5
